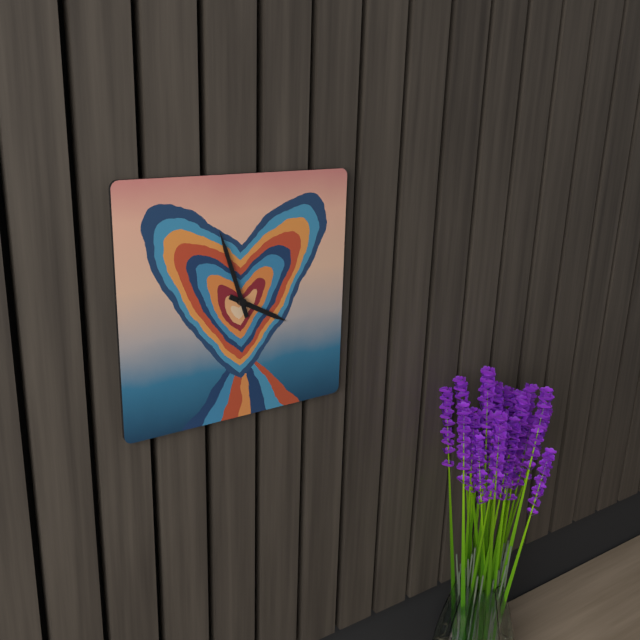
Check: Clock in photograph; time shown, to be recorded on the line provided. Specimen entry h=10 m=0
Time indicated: h=3 m=57
